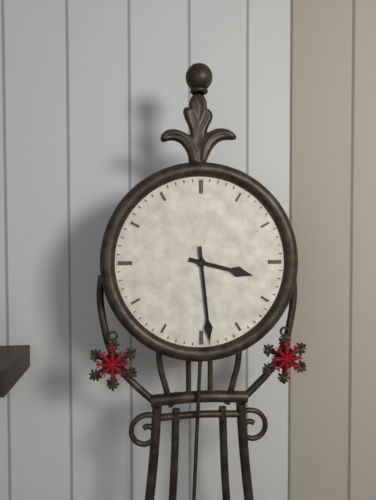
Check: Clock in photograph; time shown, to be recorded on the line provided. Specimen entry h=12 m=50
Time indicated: h=3 m=29
